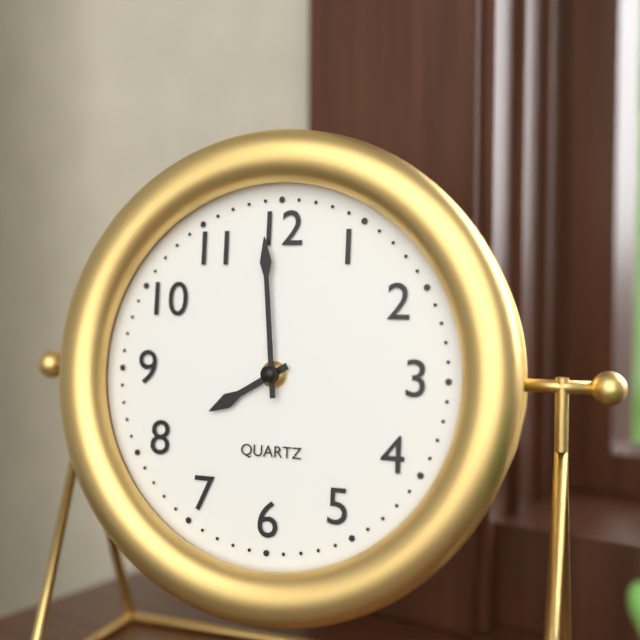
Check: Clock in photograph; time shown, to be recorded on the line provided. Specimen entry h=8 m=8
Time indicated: h=7 m=59
